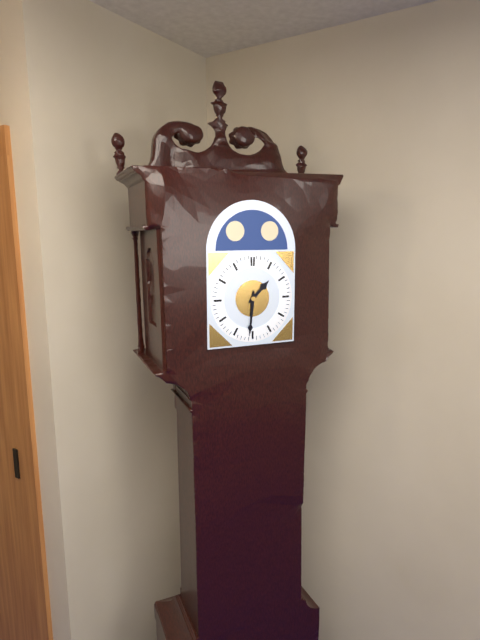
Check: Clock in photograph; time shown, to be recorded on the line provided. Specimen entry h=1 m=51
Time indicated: h=1 m=31
